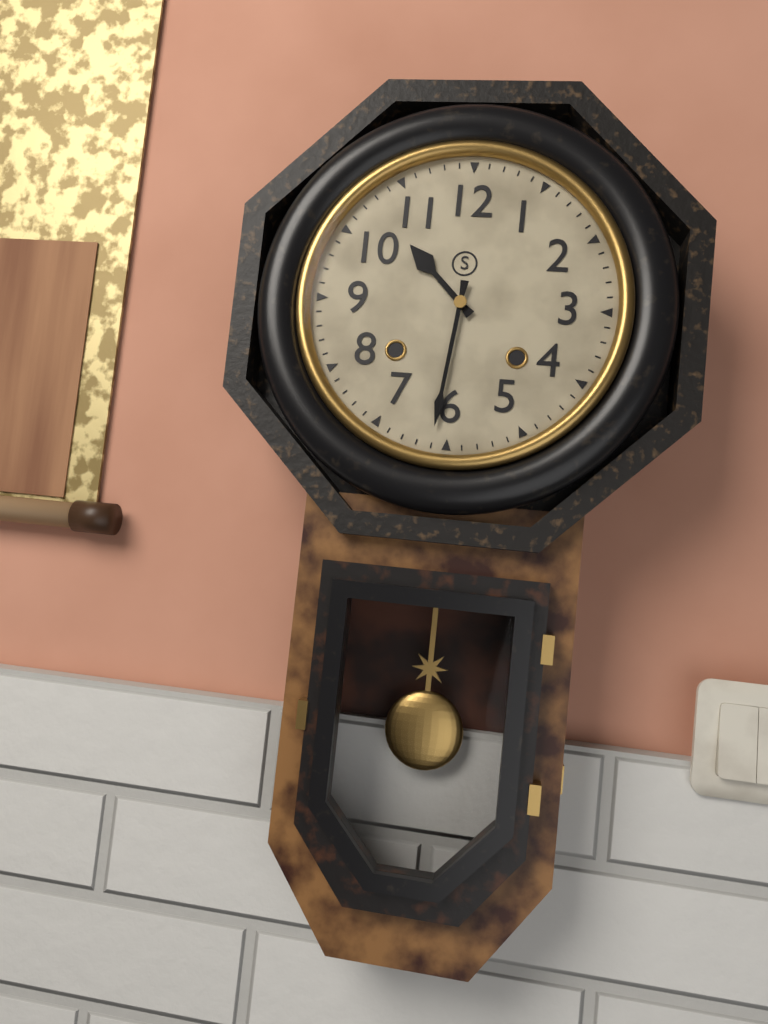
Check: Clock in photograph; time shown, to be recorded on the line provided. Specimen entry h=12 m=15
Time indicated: h=10 m=31
